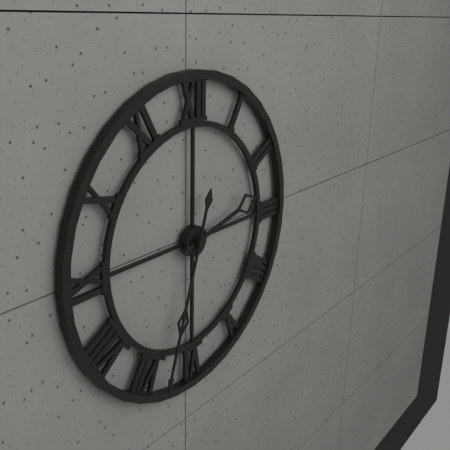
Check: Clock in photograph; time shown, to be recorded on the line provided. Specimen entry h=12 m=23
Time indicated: h=2 m=33
